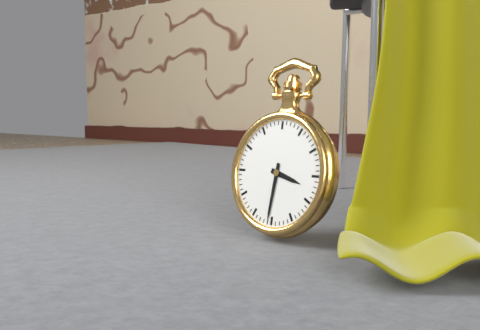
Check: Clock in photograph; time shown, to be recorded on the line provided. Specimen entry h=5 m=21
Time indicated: h=3 m=31
